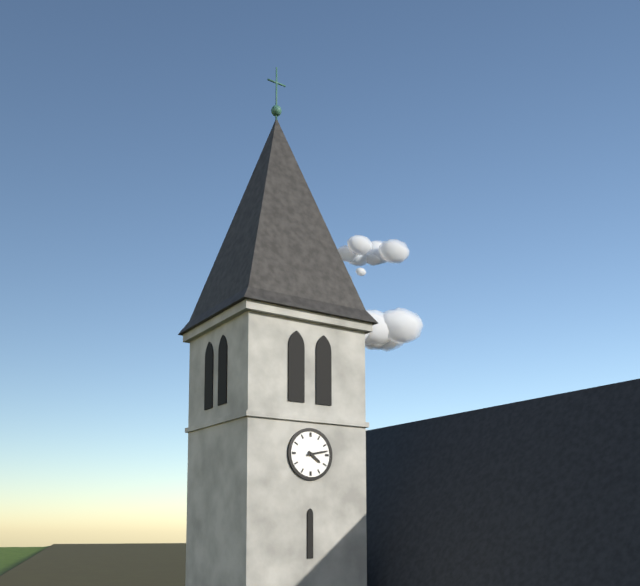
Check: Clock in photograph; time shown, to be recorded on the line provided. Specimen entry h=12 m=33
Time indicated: h=4 m=13
